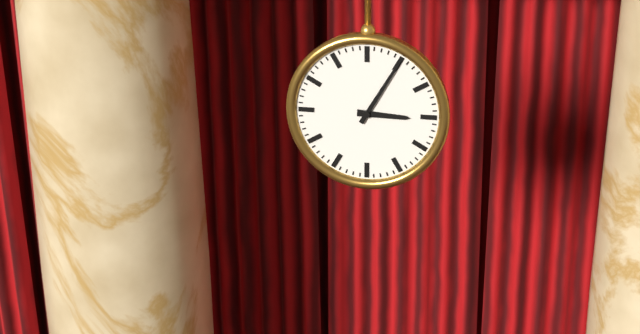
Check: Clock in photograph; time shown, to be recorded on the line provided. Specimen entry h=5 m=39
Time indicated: h=3 m=5
